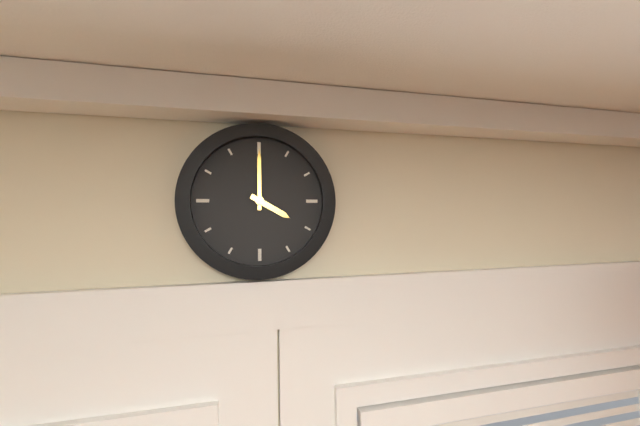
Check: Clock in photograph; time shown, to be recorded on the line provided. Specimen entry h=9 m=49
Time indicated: h=4 m=0
